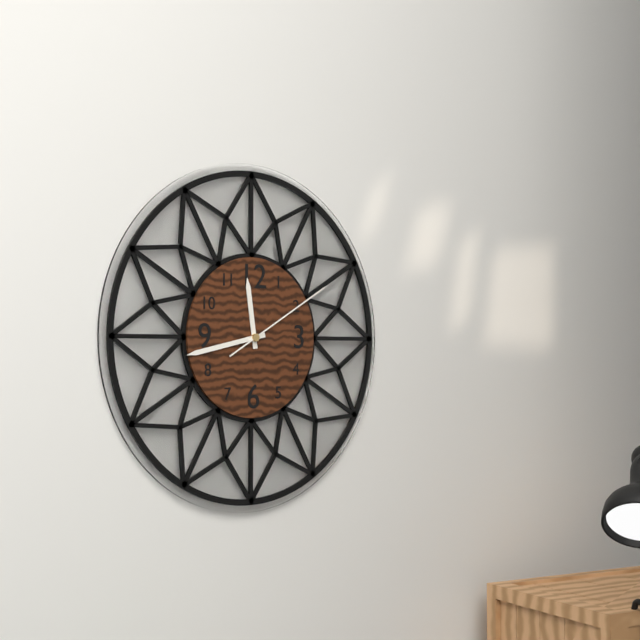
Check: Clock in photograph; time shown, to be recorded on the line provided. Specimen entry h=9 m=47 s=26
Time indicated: h=11 m=43 s=10
